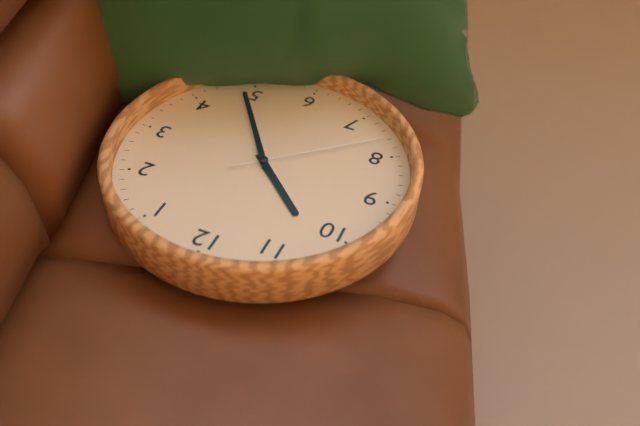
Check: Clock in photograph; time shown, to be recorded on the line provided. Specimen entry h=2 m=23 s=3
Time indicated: h=10 m=24 s=38
